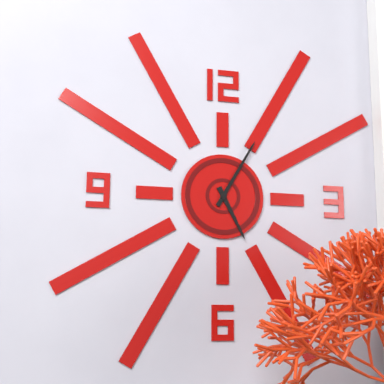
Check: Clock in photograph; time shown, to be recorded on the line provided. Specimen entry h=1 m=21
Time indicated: h=5 m=5
